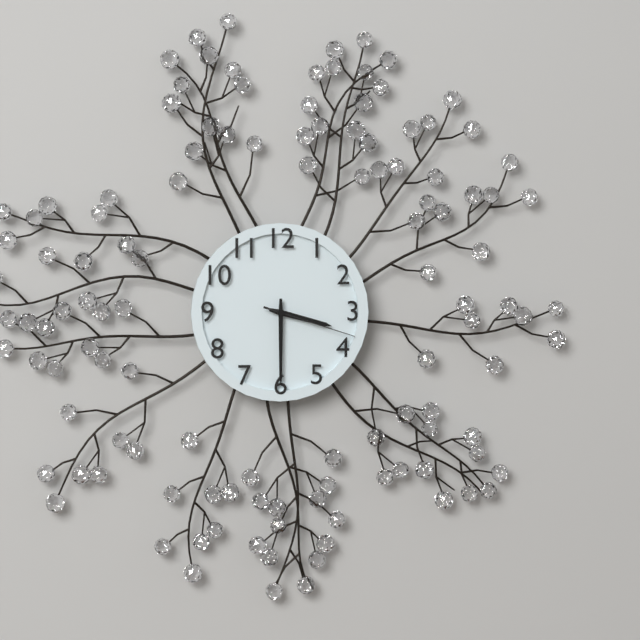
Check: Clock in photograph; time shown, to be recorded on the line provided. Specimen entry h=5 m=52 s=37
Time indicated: h=3 m=30 s=18
